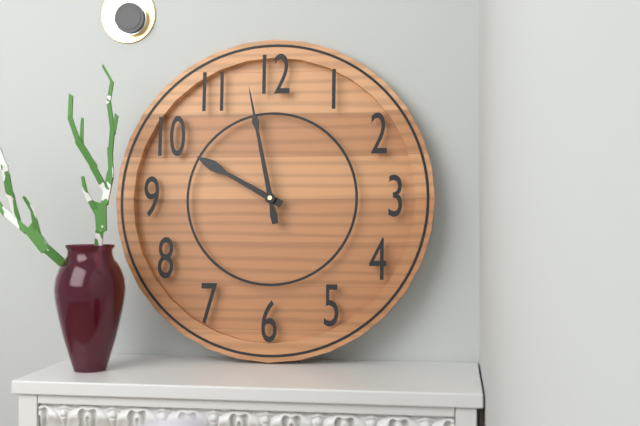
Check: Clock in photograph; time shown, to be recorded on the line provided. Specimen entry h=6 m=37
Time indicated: h=9 m=58
